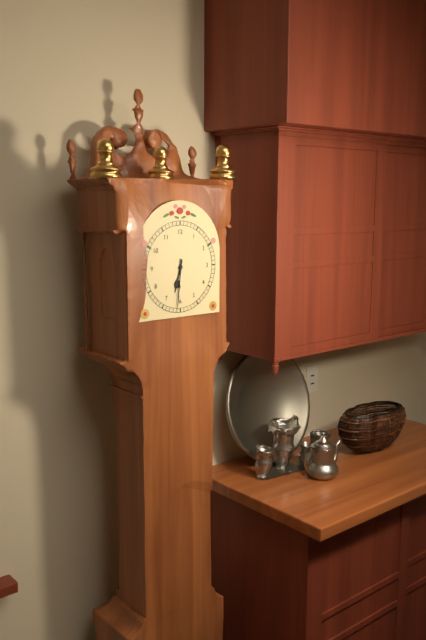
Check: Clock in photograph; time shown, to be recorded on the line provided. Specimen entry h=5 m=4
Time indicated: h=6 m=31
